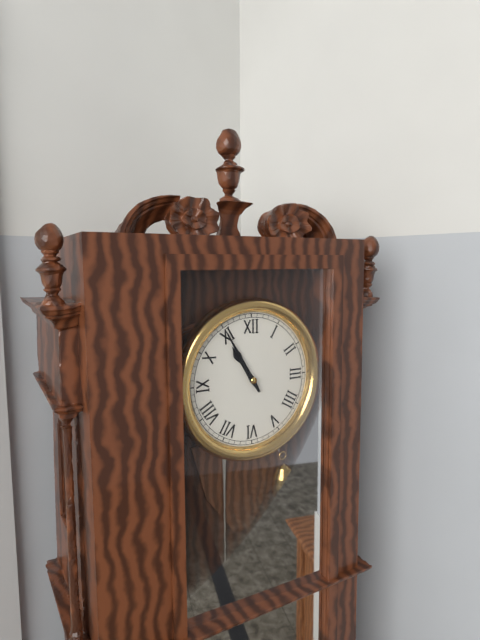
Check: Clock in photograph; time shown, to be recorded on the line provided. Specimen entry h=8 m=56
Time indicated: h=10 m=55
